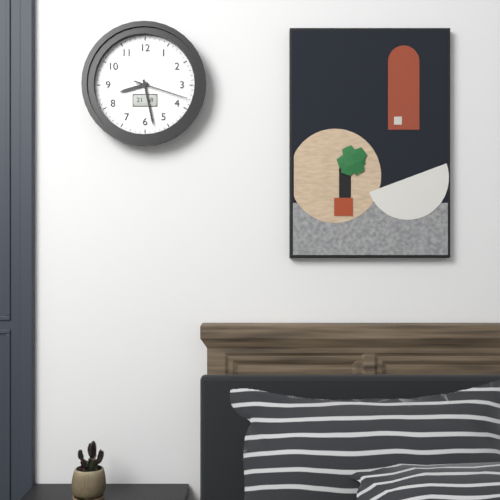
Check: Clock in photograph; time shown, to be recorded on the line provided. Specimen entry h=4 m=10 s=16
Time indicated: h=8 m=28 s=18
